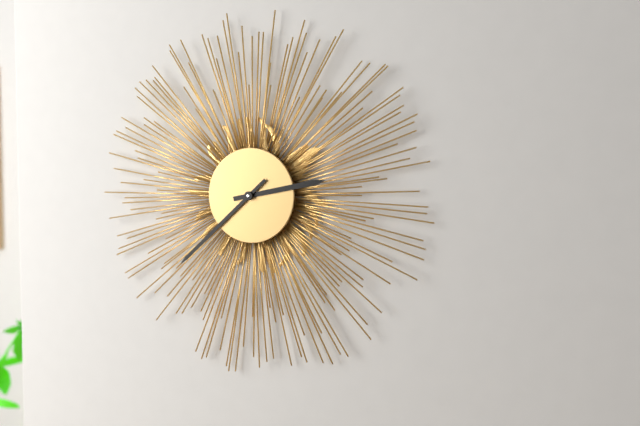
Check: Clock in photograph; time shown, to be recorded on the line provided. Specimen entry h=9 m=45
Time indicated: h=2 m=38
